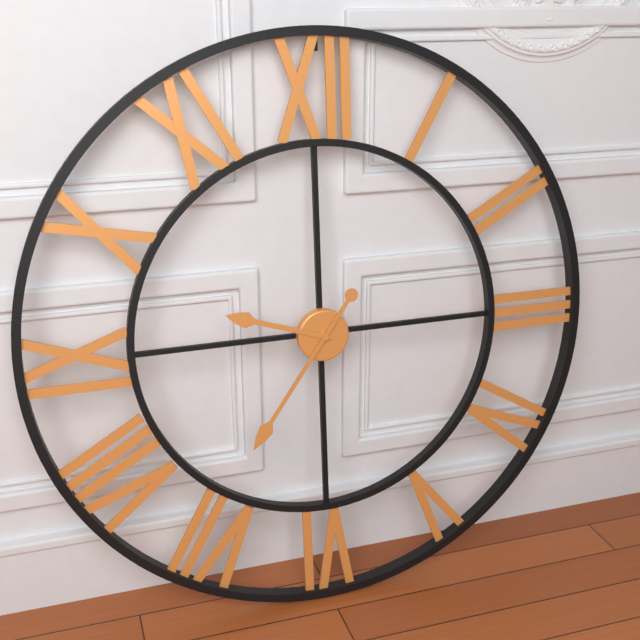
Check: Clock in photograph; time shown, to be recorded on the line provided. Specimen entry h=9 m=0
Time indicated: h=9 m=36
